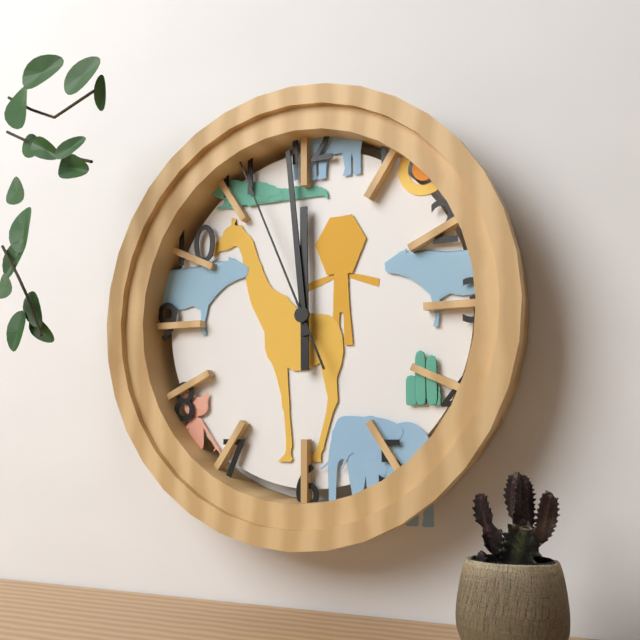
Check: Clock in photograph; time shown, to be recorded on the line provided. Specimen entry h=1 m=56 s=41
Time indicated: h=11 m=59 s=56
